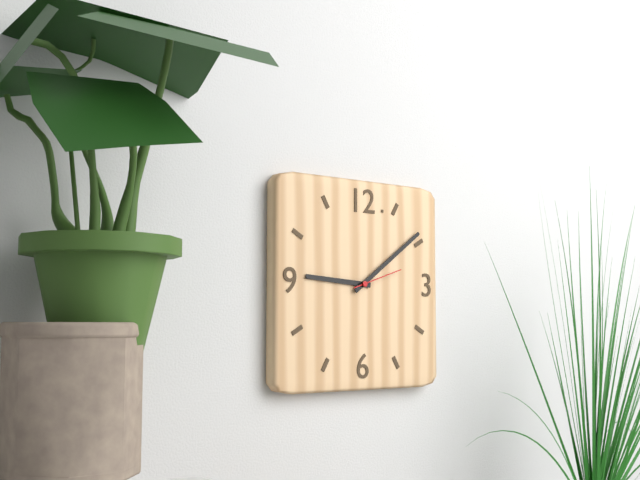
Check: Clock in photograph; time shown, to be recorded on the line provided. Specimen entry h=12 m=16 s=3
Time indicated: h=9 m=9 s=12
